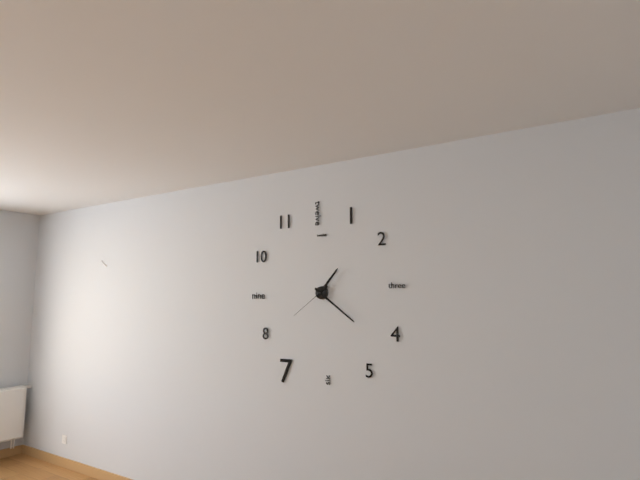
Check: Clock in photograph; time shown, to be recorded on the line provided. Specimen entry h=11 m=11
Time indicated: h=1 m=21
